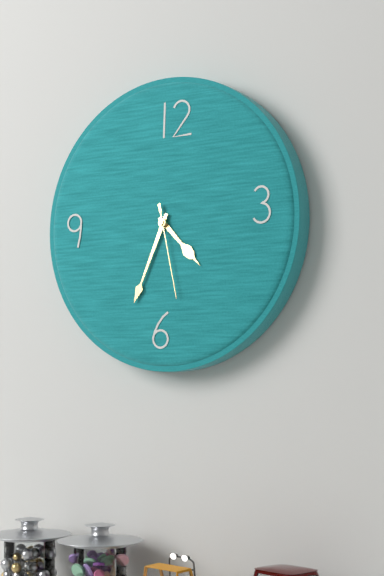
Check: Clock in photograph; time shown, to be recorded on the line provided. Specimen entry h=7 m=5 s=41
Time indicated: h=4 m=34 s=28
